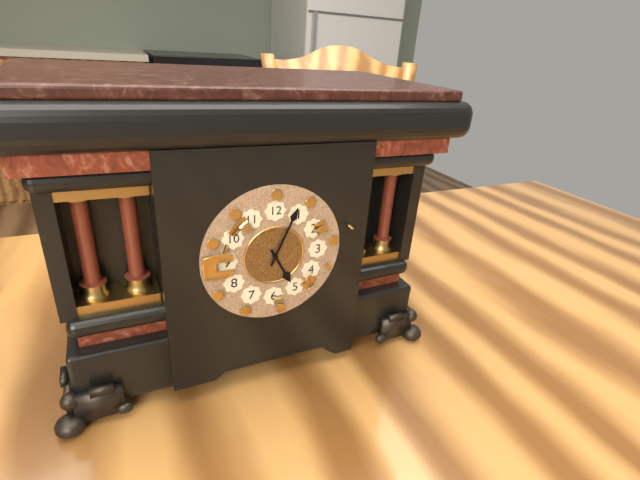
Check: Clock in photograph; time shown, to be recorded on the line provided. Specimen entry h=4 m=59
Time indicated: h=5 m=4
